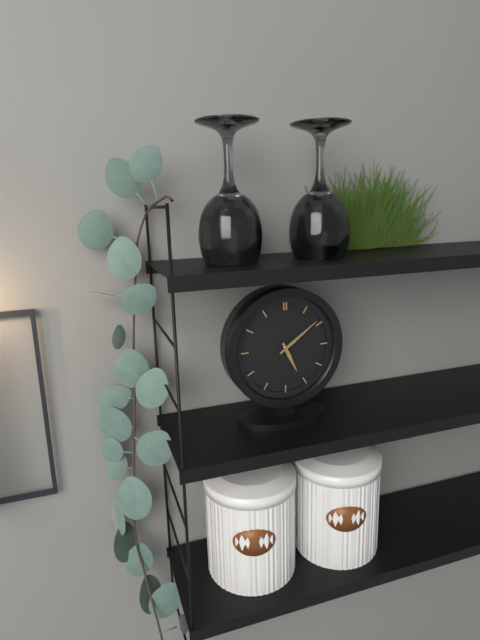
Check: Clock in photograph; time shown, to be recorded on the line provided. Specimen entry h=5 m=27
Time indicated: h=5 m=9
